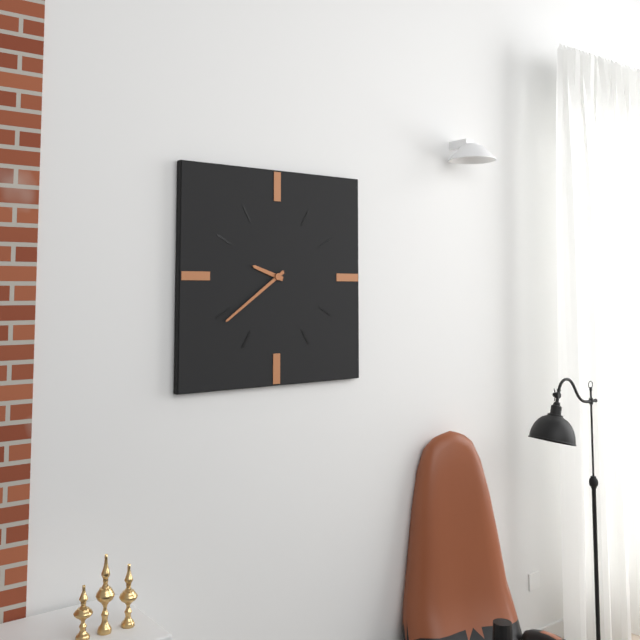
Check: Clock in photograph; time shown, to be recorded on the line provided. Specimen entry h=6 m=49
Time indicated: h=9 m=39
